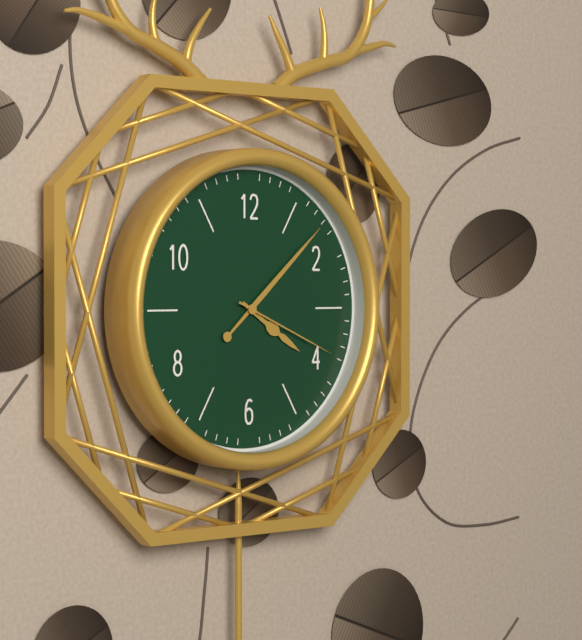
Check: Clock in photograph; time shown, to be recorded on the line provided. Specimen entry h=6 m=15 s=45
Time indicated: h=4 m=8 s=19
